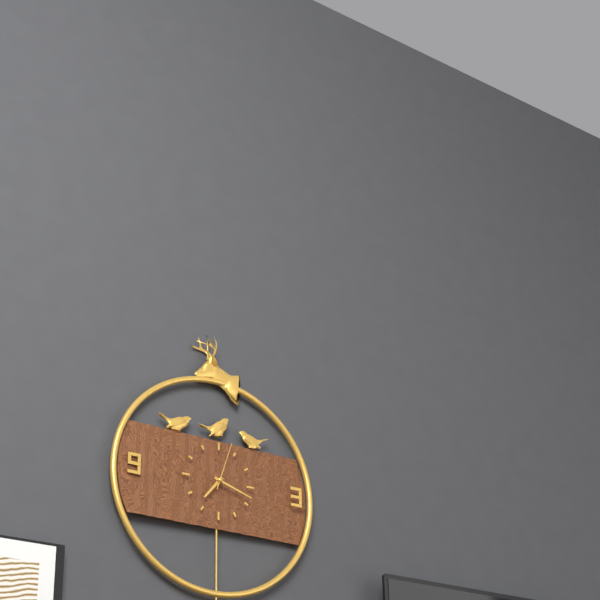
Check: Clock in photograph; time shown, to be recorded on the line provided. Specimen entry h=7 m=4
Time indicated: h=7 m=18
